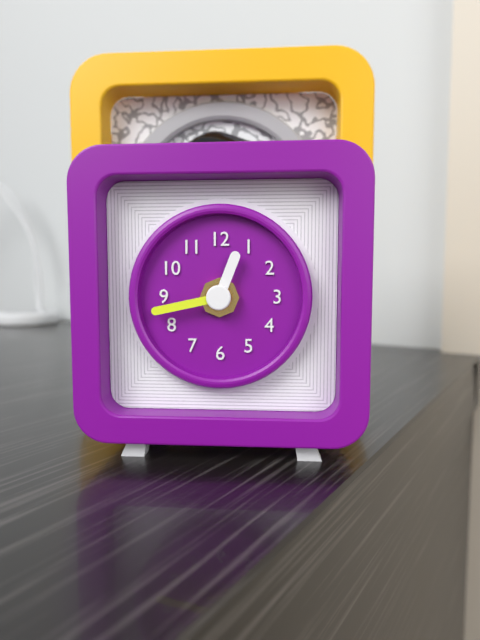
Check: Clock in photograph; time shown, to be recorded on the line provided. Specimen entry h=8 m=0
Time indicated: h=12 m=43
